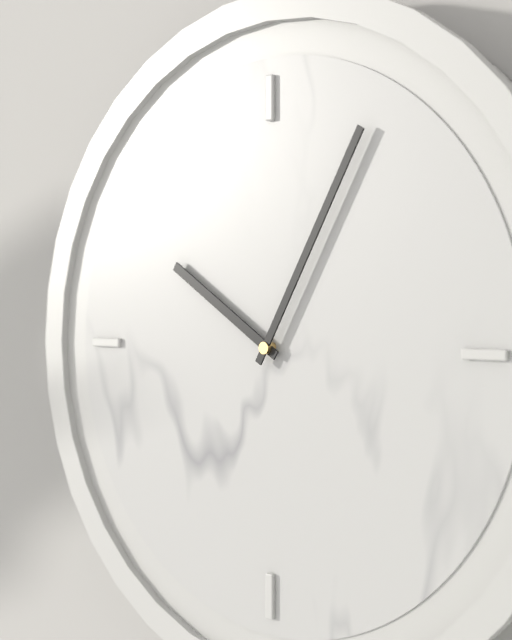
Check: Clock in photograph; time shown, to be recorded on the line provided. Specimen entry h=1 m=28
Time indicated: h=10 m=5
